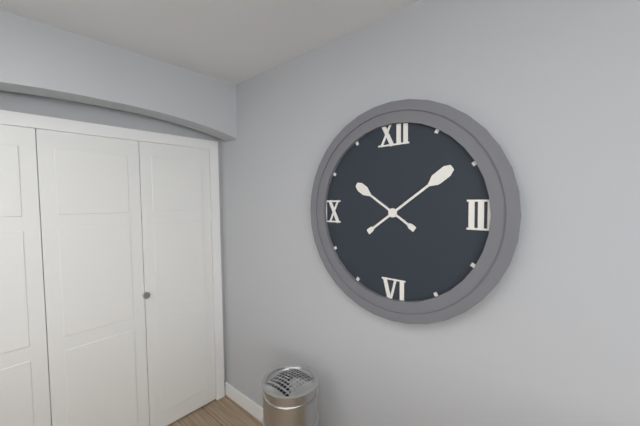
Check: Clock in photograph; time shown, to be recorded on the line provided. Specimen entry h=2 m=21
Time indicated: h=10 m=9
